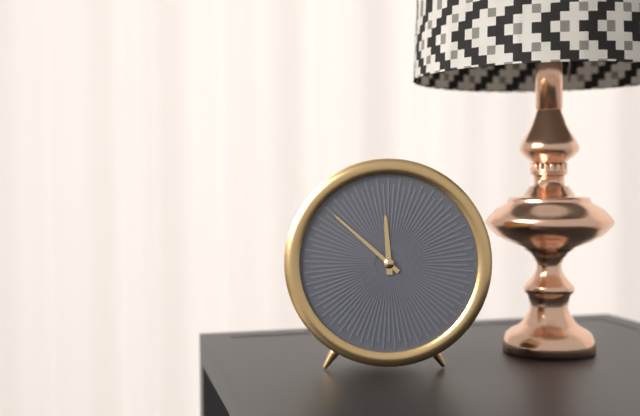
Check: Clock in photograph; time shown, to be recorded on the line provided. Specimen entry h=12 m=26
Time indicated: h=11 m=52
